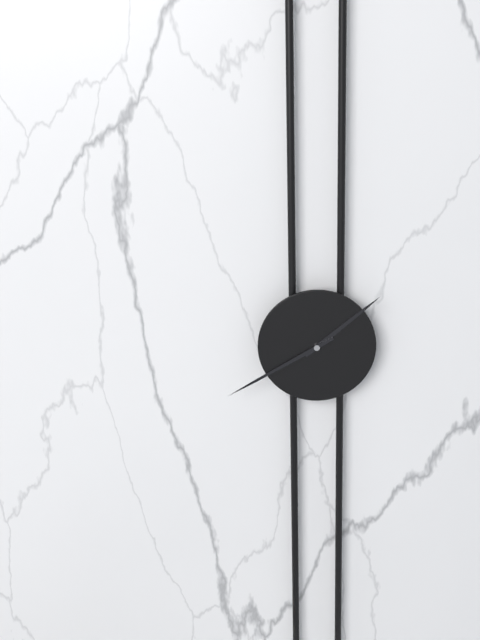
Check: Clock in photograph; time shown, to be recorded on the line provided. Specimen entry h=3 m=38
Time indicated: h=1 m=40
